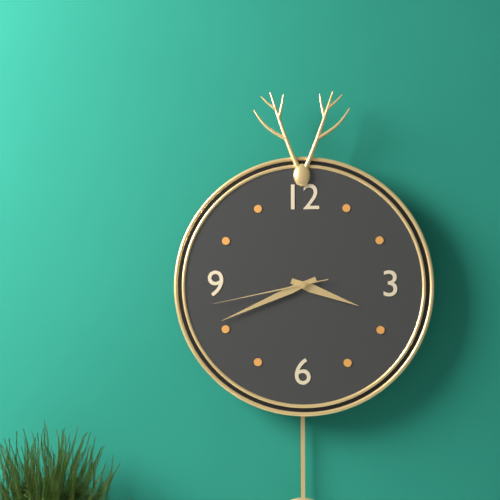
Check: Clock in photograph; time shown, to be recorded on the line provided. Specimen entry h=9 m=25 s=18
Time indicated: h=3 m=41 s=43
